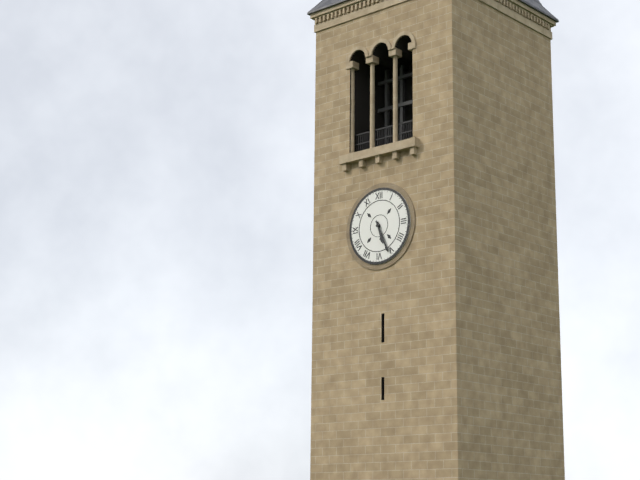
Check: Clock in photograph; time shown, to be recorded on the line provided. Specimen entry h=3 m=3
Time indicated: h=5 m=26
